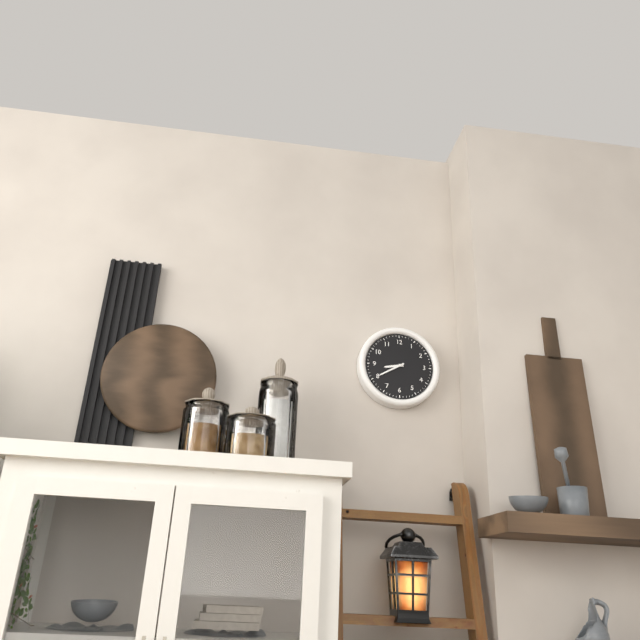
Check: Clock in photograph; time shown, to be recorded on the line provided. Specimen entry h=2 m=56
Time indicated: h=8 m=40
